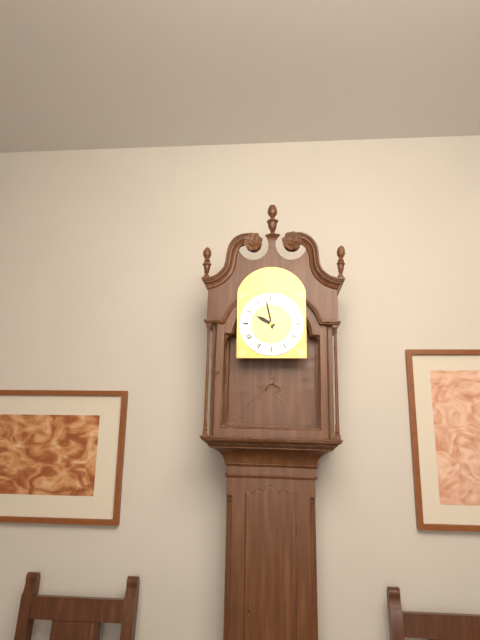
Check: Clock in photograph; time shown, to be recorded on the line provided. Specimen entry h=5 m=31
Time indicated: h=9 m=58
